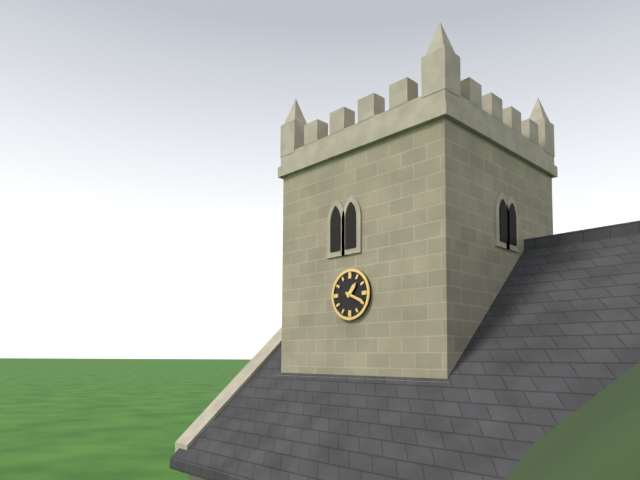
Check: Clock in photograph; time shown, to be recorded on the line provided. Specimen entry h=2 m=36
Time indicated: h=1 m=19
